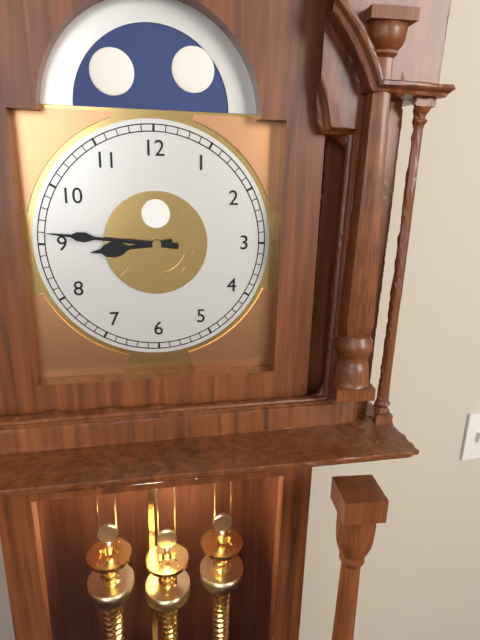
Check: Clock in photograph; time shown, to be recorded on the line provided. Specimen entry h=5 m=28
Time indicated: h=8 m=46
